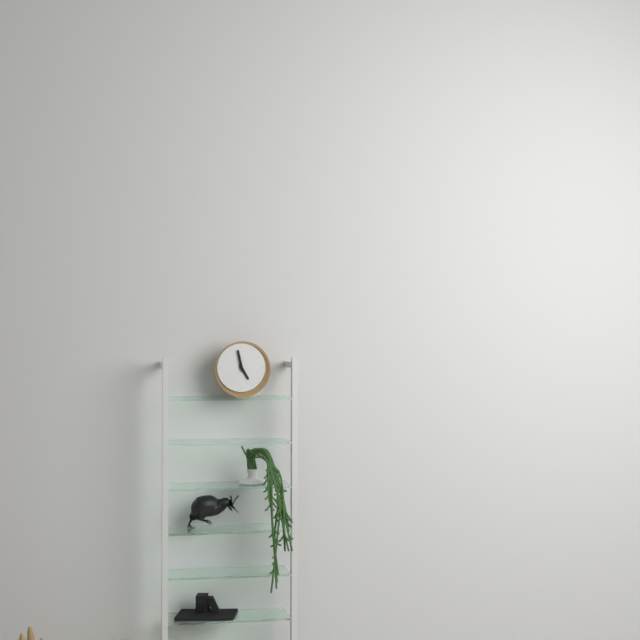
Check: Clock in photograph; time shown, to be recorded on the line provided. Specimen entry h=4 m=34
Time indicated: h=4 m=58
